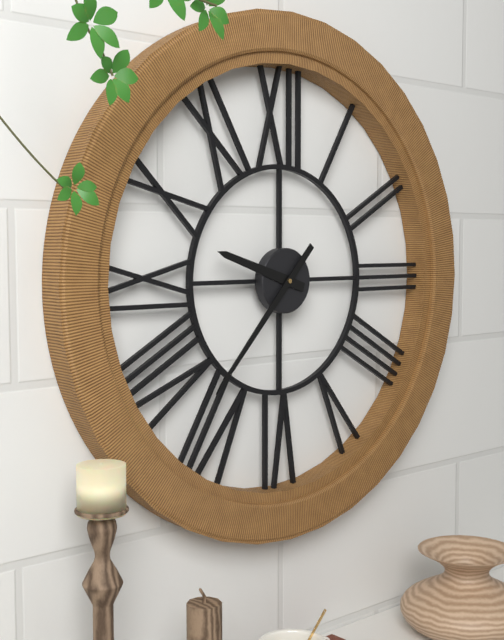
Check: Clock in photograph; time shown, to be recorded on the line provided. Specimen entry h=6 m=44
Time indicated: h=9 m=37
